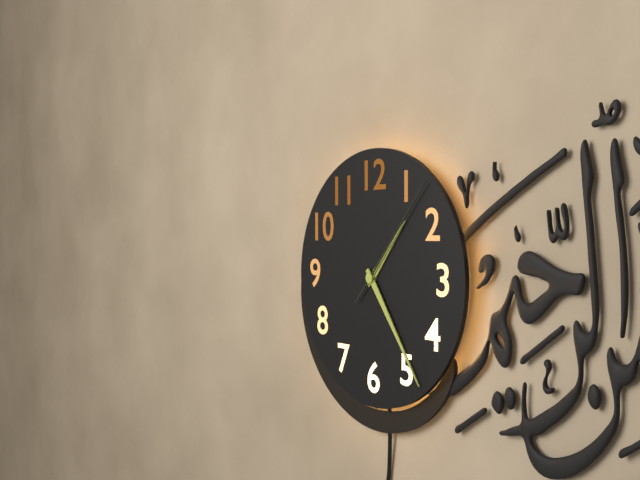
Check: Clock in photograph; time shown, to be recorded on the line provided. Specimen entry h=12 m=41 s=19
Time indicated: h=1 m=24 s=7
